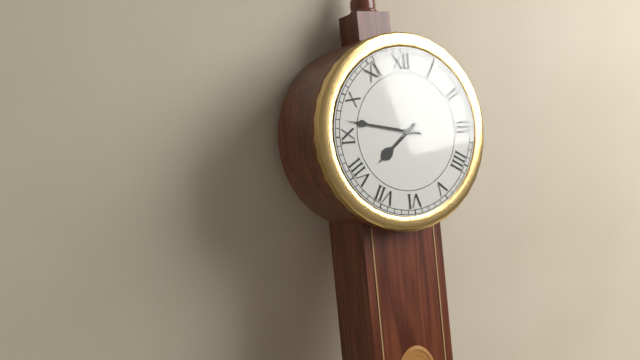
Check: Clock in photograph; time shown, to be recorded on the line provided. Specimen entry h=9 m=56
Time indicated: h=7 m=47
